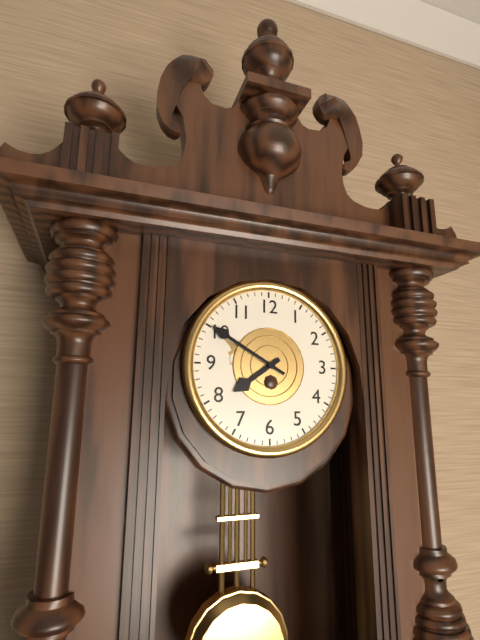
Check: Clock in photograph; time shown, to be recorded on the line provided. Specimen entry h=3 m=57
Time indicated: h=7 m=50
